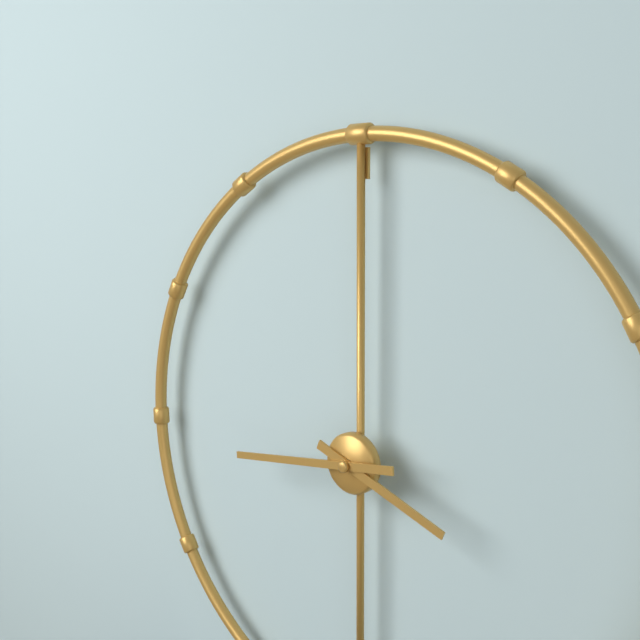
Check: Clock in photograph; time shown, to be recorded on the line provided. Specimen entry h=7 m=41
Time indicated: h=3 m=44
